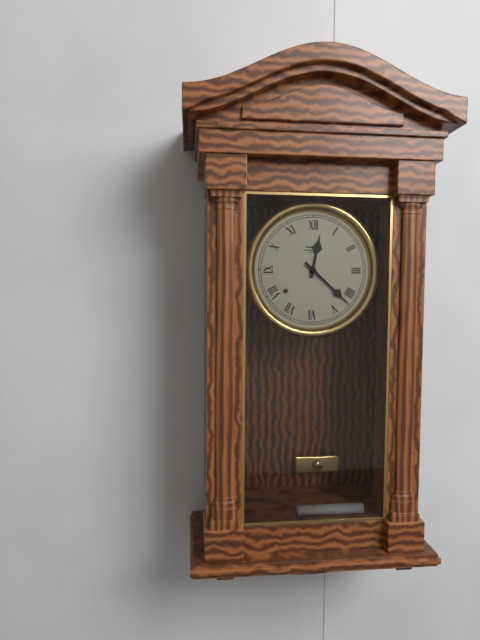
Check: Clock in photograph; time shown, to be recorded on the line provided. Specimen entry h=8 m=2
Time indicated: h=12 m=22
